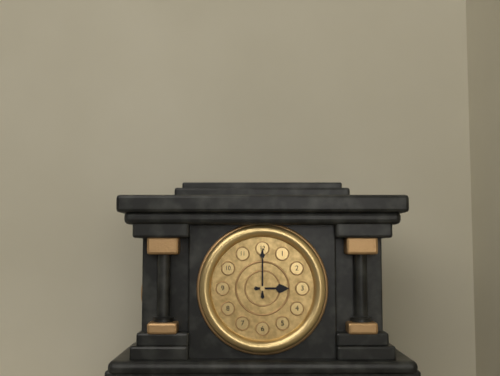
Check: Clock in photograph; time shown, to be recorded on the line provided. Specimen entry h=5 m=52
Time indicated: h=3 m=0
